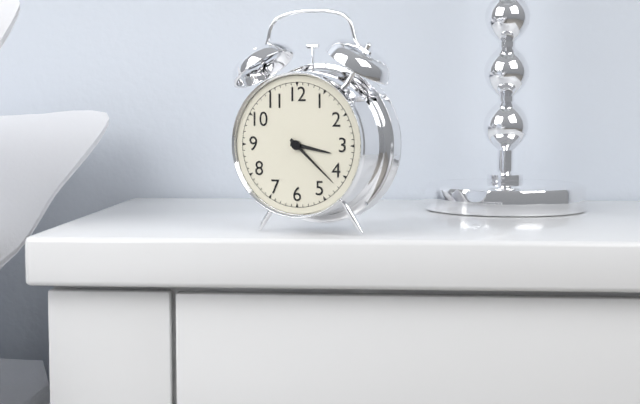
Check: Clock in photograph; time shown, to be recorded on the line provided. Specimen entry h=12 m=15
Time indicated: h=3 m=22
